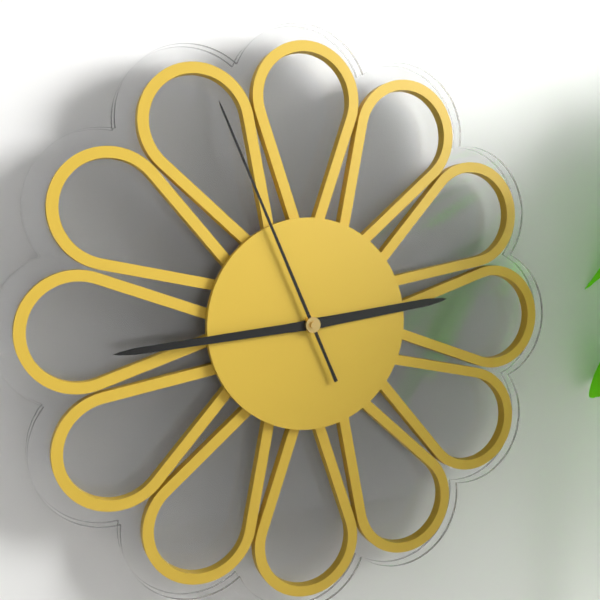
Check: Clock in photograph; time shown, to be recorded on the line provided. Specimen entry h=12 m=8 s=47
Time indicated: h=2 m=44 s=56
